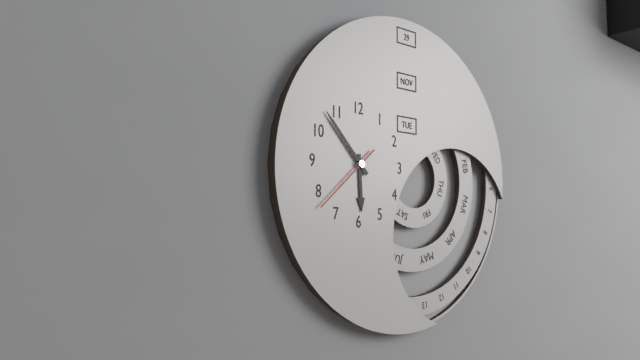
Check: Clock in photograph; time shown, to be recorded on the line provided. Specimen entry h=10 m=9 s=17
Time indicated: h=5 m=53 s=38
